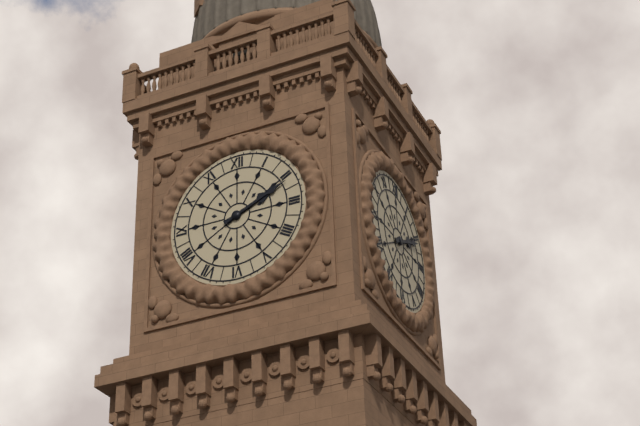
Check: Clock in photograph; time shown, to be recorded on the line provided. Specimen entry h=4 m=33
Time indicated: h=2 m=11
